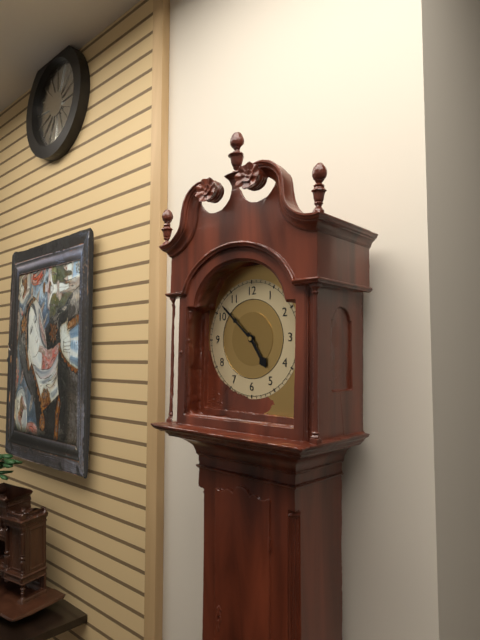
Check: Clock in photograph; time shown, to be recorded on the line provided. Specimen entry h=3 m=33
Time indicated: h=4 m=52
